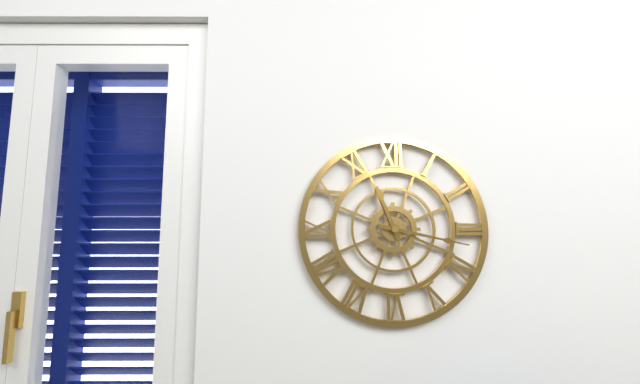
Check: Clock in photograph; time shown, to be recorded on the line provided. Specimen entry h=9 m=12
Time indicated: h=11 m=17
